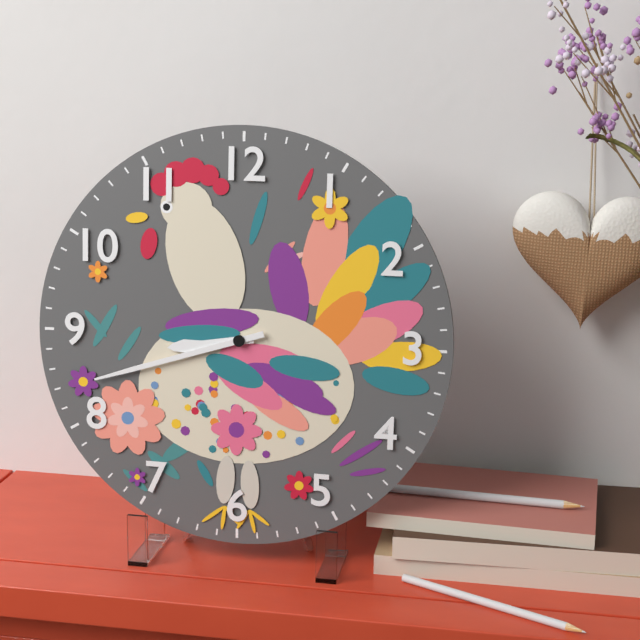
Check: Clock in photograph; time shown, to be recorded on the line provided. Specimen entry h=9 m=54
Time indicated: h=8 m=42
